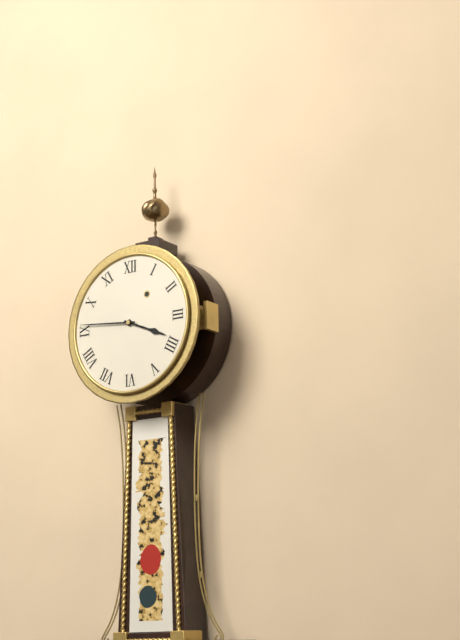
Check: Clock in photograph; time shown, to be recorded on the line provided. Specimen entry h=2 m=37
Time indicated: h=3 m=46
